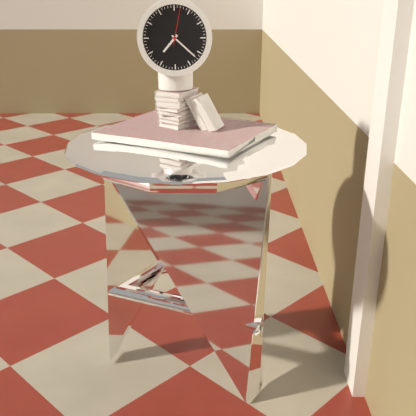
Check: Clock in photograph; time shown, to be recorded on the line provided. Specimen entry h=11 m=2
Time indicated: h=7 m=22
